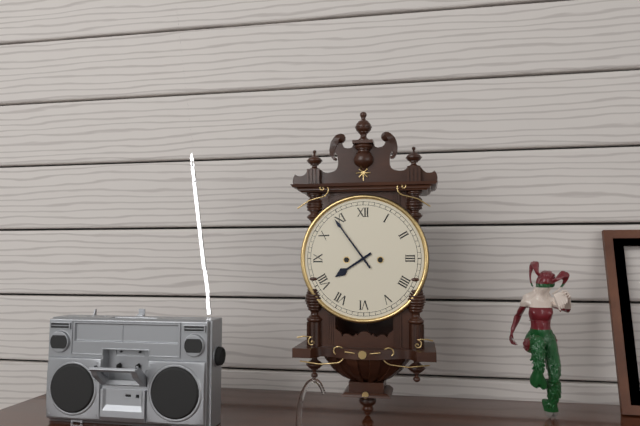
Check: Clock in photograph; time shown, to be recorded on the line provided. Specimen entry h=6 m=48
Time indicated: h=7 m=54
